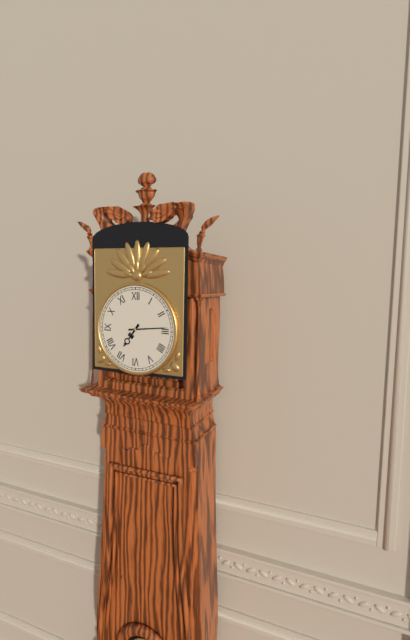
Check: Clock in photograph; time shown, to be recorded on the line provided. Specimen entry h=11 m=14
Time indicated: h=7 m=14
